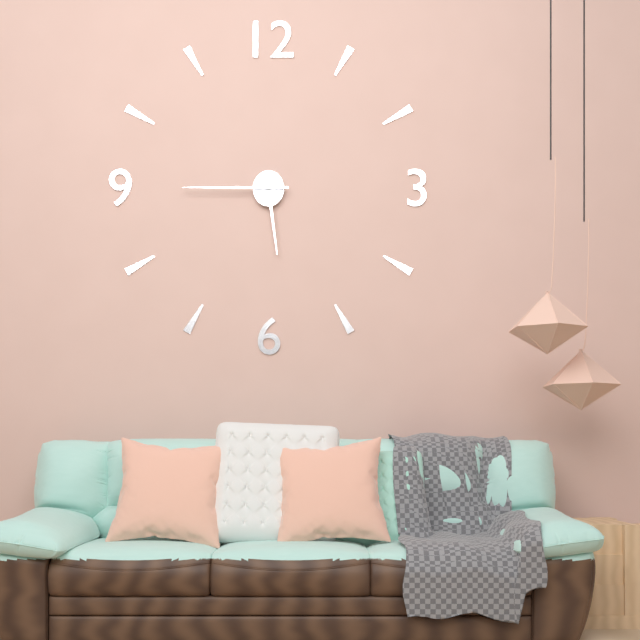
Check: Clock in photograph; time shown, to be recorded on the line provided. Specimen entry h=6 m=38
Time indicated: h=5 m=45
